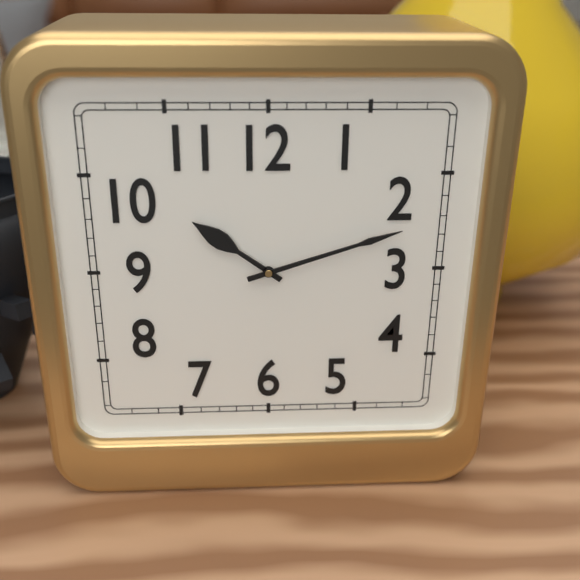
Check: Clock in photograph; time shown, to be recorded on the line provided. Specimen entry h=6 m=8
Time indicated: h=10 m=12
